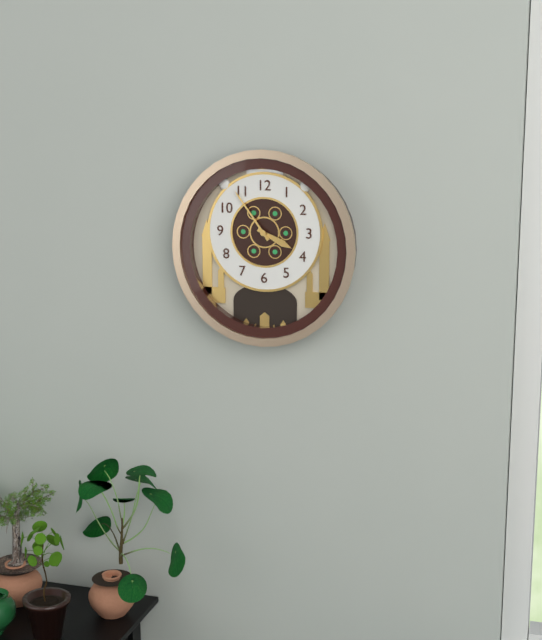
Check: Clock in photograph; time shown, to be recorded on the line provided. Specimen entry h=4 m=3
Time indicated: h=3 m=54
